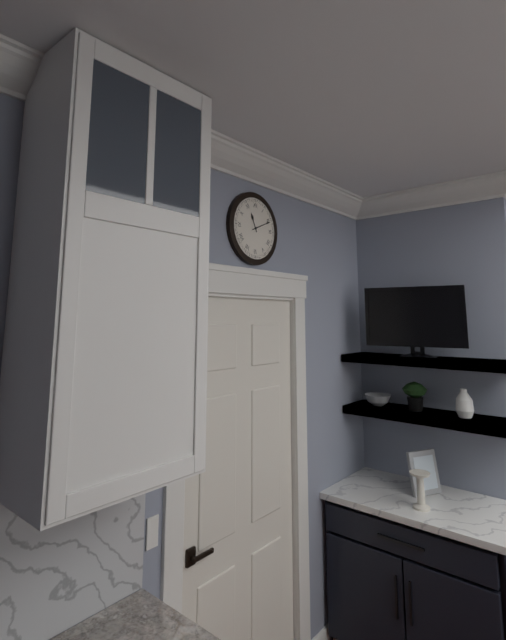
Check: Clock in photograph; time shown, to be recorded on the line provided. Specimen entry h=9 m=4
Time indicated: h=11 m=11
